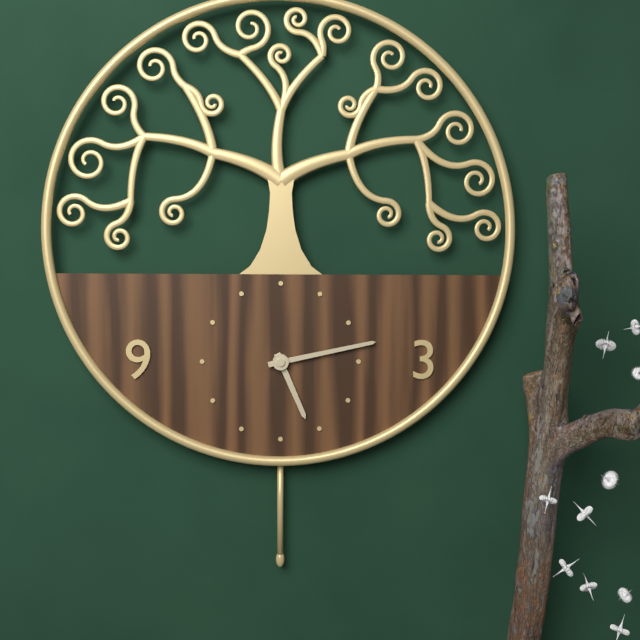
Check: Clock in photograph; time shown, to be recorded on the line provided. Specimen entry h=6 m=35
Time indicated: h=5 m=13
